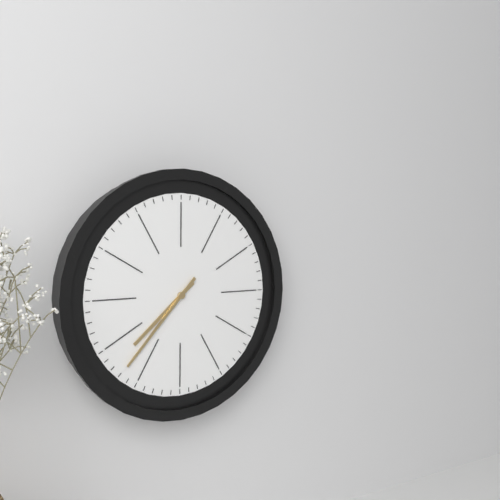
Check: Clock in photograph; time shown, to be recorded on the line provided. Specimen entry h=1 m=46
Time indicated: h=7 m=37
